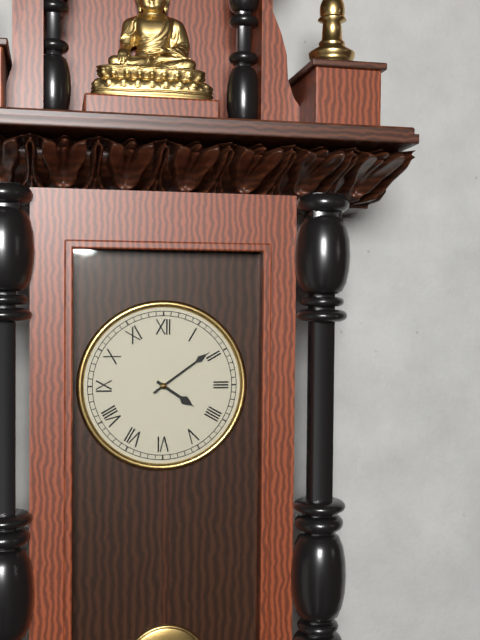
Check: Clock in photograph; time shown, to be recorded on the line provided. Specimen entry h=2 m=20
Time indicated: h=4 m=9
